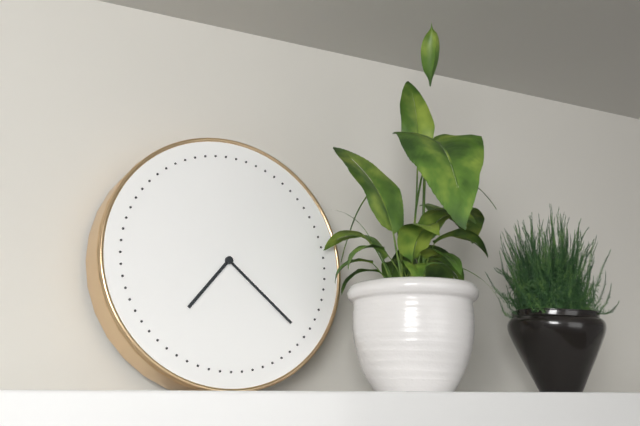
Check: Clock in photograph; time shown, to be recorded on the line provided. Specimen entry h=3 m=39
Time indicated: h=7 m=22
